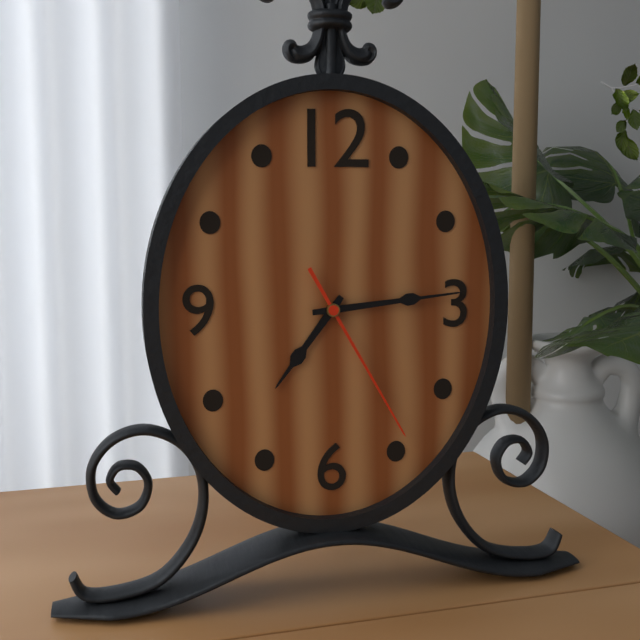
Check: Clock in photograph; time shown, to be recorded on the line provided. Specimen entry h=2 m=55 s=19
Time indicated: h=7 m=14 s=25
